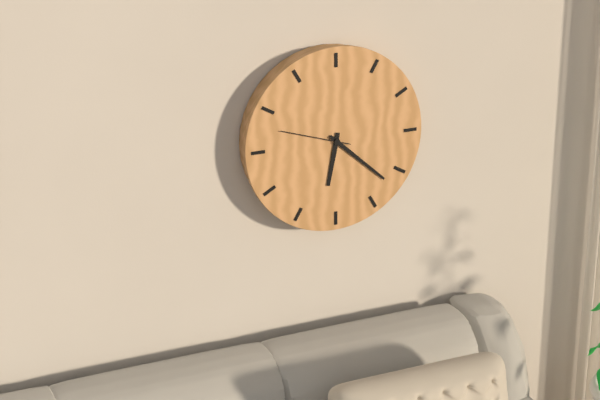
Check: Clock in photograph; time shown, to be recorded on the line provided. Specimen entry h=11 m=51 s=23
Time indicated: h=6 m=22 s=48
